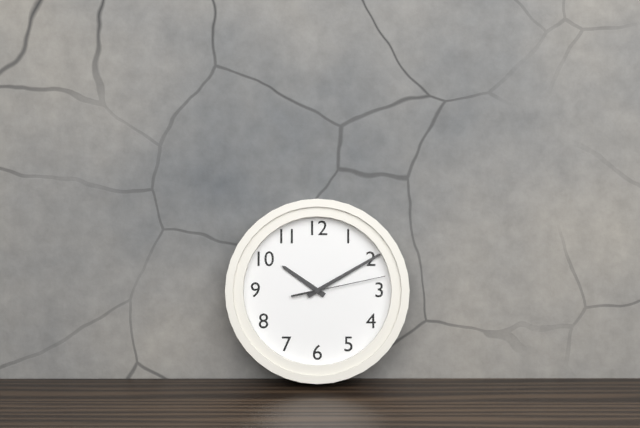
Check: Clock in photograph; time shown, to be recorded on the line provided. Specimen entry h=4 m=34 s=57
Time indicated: h=10 m=10 s=13
